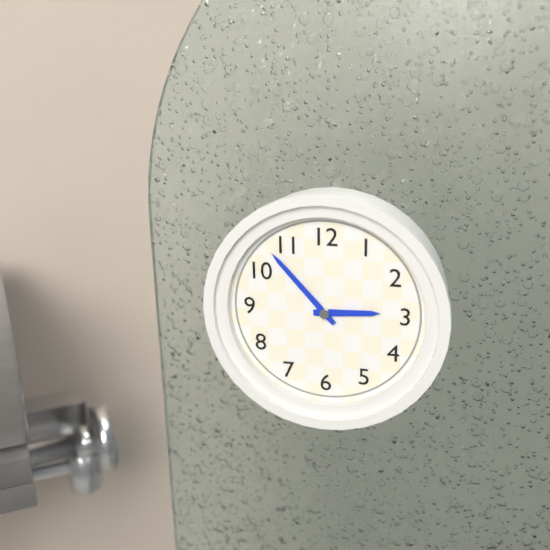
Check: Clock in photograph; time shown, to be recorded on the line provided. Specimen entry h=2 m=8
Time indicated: h=2 m=53
